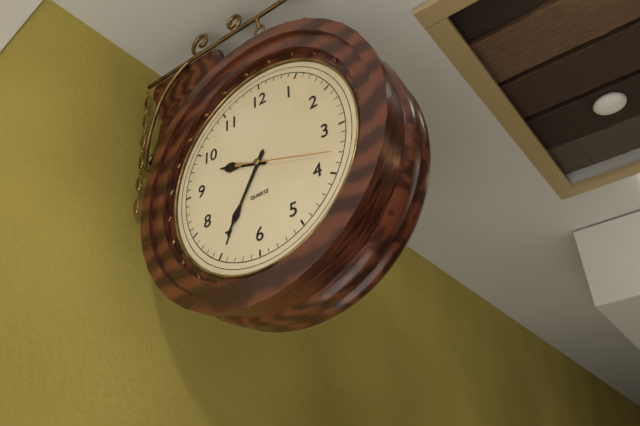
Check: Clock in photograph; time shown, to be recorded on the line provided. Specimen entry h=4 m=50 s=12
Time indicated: h=9 m=35 s=18
